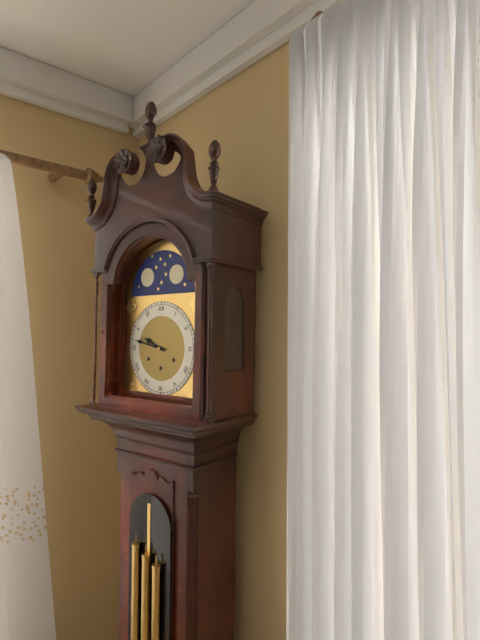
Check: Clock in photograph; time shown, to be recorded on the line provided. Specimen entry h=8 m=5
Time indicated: h=9 m=47
